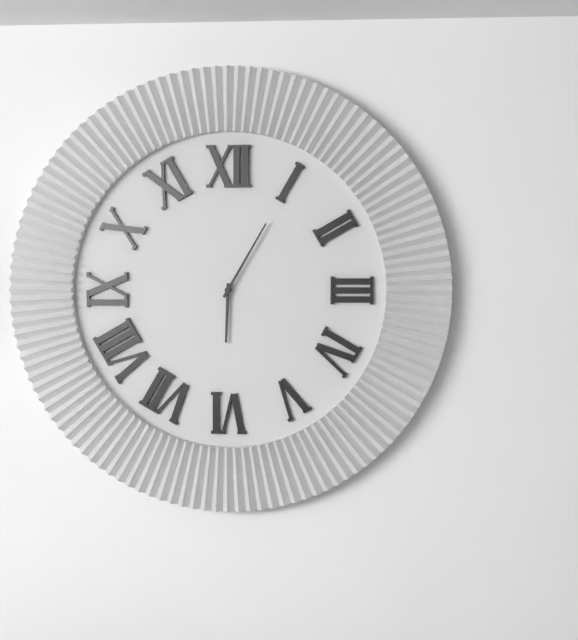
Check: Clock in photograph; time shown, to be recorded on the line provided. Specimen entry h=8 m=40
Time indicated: h=6 m=5
